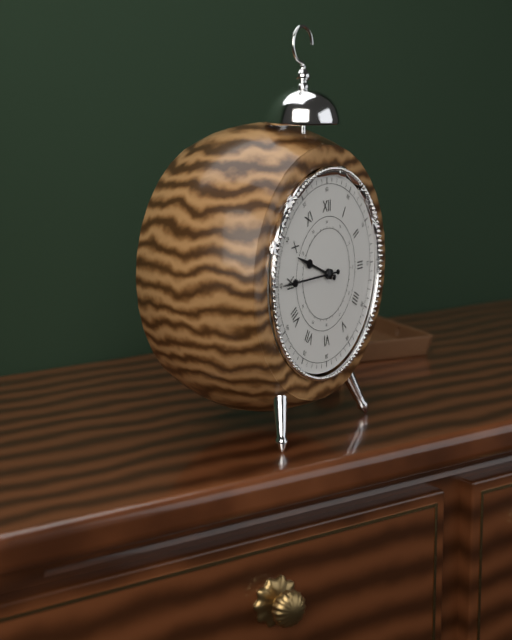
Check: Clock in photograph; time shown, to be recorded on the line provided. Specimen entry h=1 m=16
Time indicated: h=9 m=45
